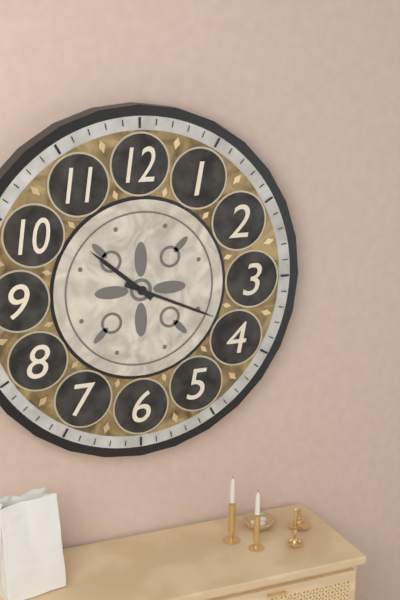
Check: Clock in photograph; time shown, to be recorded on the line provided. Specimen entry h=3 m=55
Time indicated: h=10 m=19
